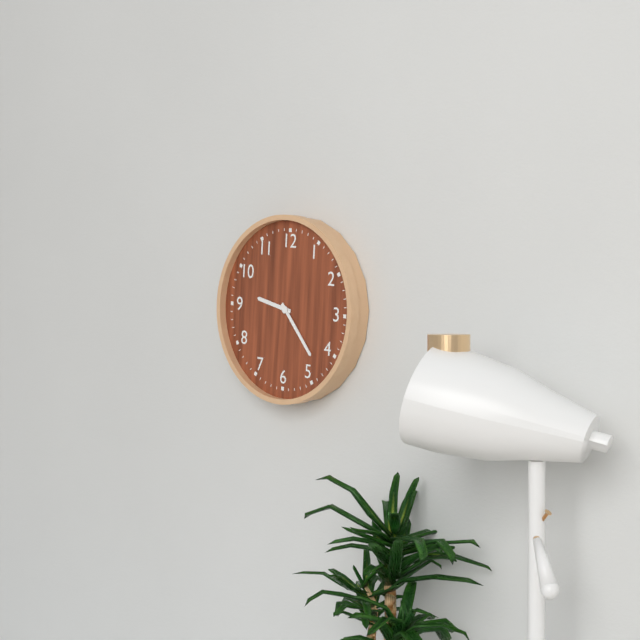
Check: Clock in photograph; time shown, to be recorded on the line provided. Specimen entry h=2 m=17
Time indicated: h=9 m=23
